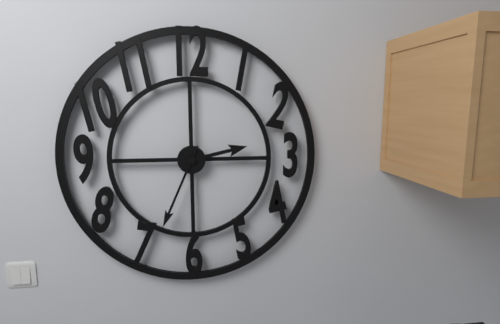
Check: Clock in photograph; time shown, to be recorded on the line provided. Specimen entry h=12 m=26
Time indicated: h=2 m=34
